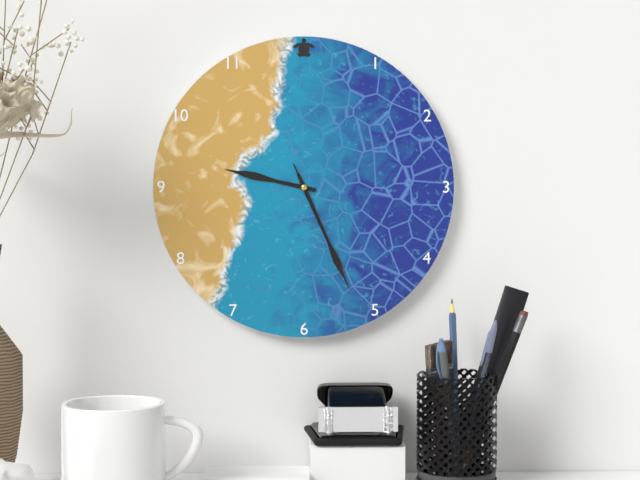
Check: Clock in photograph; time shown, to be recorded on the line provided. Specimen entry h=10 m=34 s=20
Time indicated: h=9 m=26 s=26
